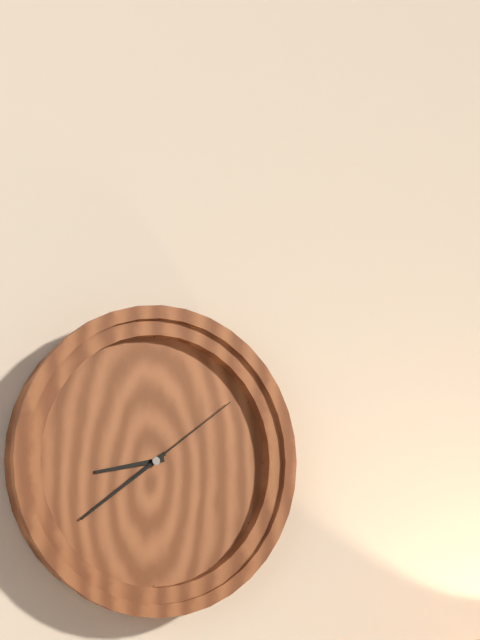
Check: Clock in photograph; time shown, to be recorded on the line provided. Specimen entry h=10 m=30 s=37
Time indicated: h=8 m=39 s=9
